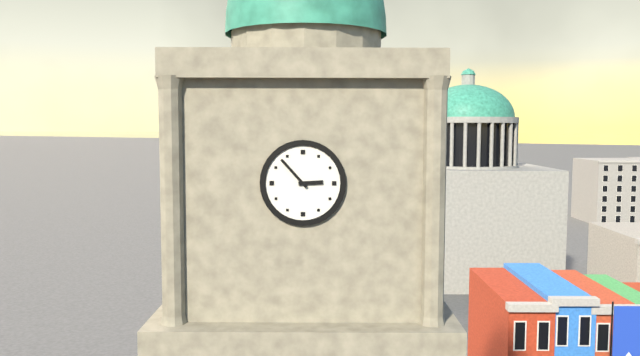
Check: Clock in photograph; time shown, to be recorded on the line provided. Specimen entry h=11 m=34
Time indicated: h=2 m=53
